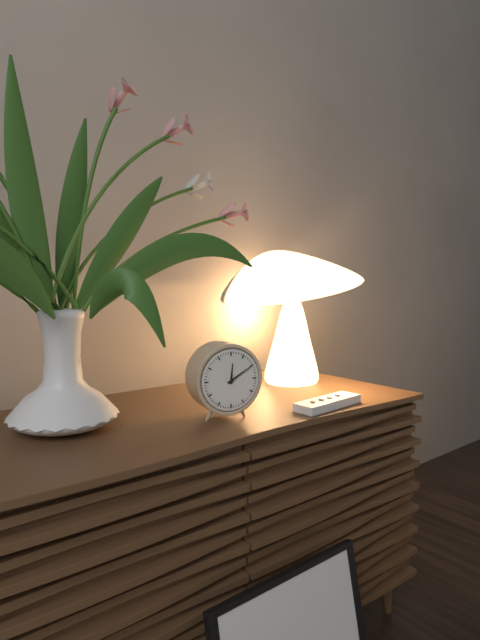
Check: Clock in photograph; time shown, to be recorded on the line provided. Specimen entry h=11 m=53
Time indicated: h=12 m=10
